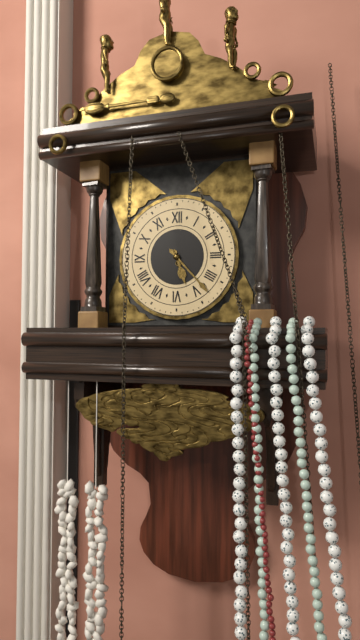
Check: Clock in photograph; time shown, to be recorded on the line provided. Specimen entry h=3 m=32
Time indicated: h=5 m=23
